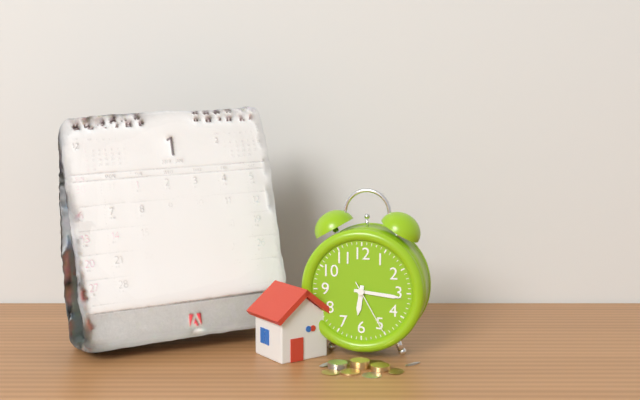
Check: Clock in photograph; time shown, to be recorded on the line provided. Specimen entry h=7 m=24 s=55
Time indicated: h=6 m=16 s=25
